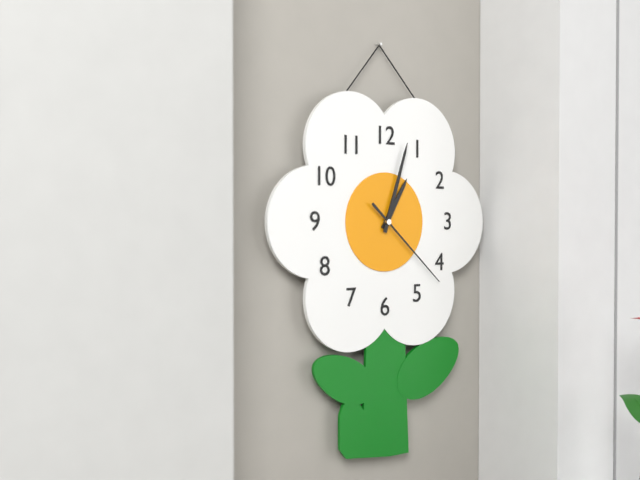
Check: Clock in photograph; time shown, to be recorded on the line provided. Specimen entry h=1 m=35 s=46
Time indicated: h=1 m=3 s=22
